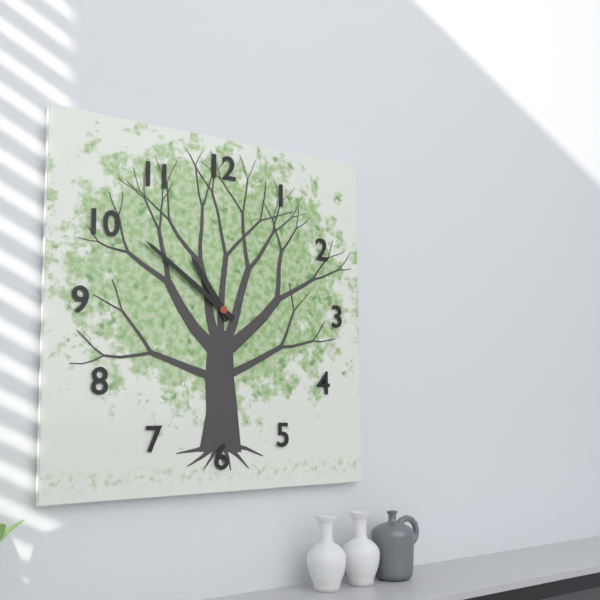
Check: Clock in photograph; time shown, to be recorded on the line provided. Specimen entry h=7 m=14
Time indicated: h=10 m=51
